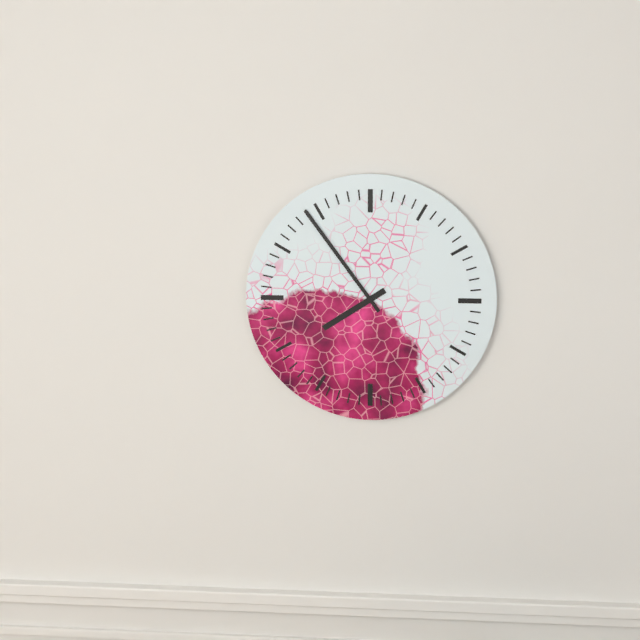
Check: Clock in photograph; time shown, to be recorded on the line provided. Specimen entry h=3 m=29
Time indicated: h=7 m=54
